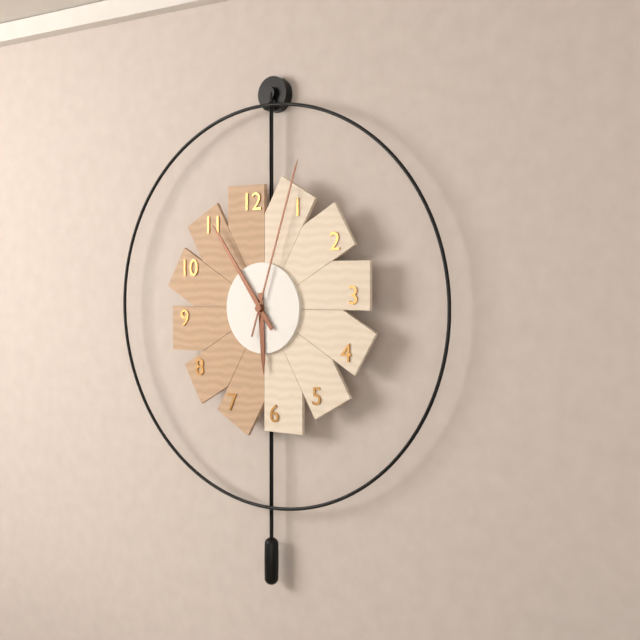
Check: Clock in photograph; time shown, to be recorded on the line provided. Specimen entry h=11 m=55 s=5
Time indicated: h=5 m=54 s=3
